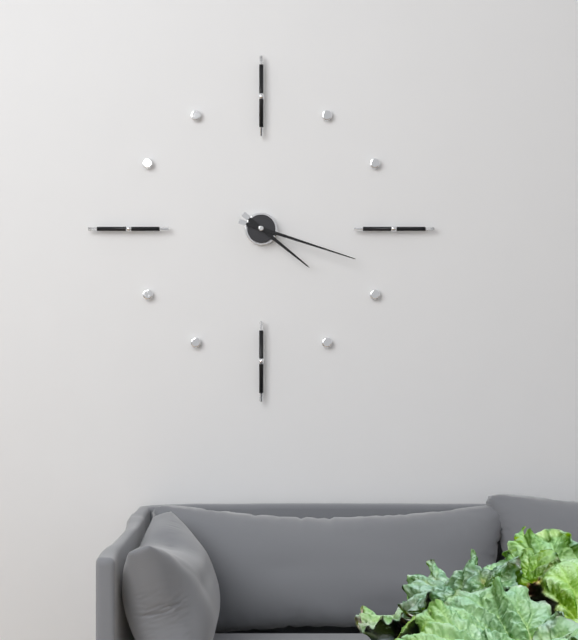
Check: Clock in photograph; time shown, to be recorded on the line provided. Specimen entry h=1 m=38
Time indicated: h=4 m=18
